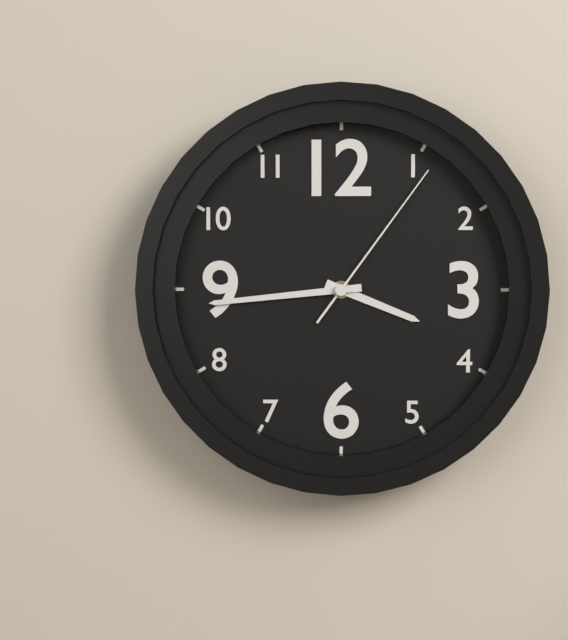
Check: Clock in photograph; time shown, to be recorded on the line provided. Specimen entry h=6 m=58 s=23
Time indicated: h=3 m=44 s=6
